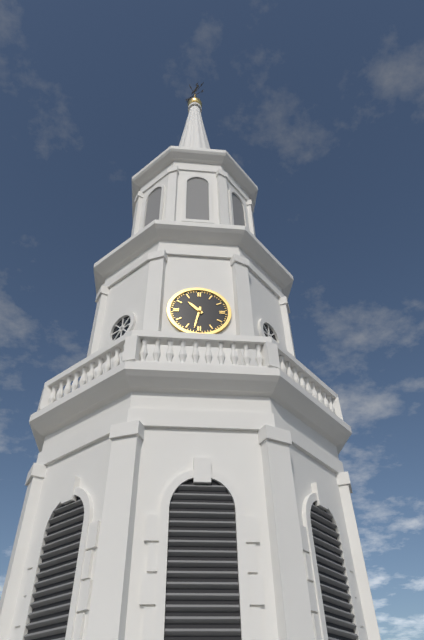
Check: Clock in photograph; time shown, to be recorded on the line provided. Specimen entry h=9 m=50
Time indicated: h=10 m=32
